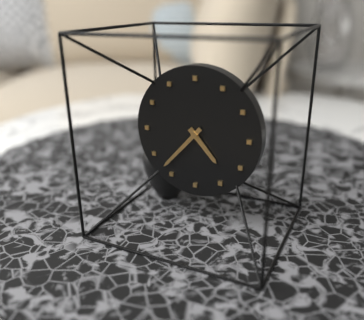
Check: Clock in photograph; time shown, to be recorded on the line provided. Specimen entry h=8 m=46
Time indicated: h=4 m=37
